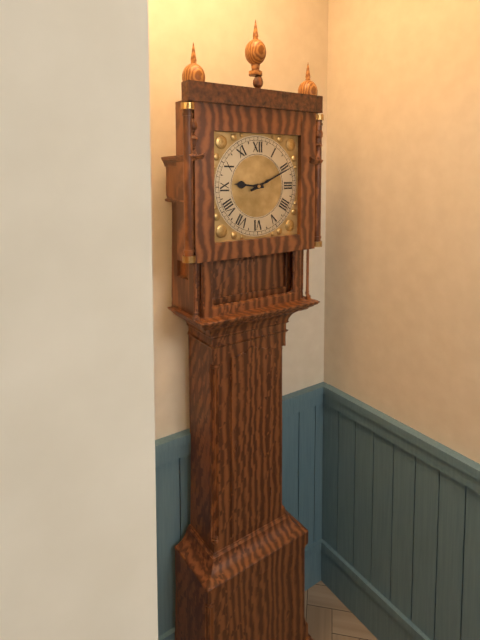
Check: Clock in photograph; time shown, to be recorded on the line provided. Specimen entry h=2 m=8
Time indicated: h=9 m=11
